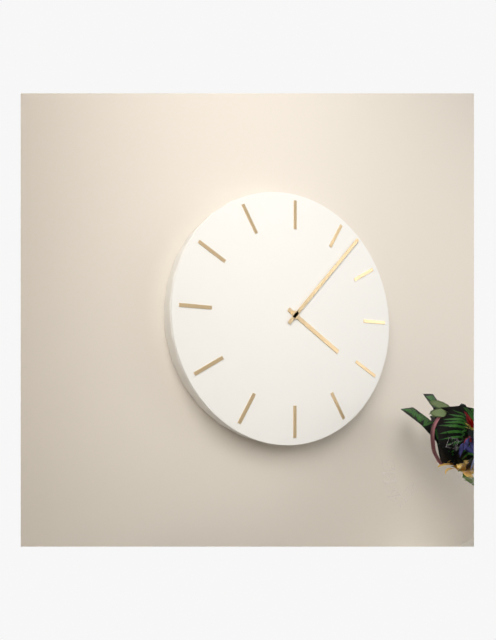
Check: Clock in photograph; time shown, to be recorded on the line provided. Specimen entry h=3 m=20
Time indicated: h=4 m=7
